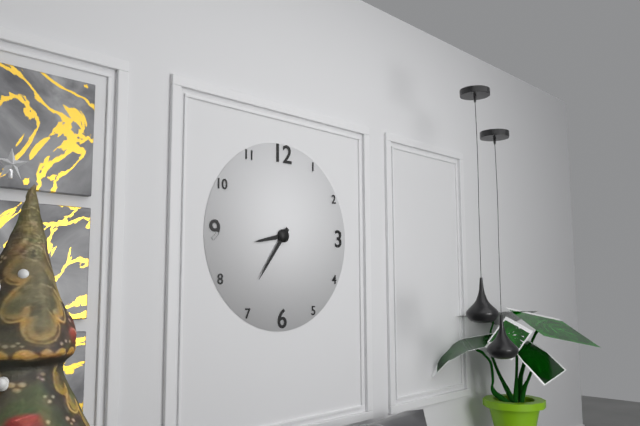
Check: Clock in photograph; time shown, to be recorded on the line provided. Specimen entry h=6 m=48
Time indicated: h=8 m=36
